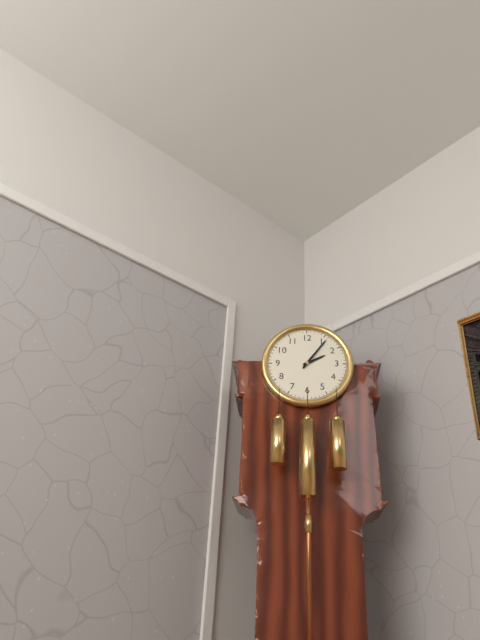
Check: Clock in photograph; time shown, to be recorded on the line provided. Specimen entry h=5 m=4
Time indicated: h=2 m=6
